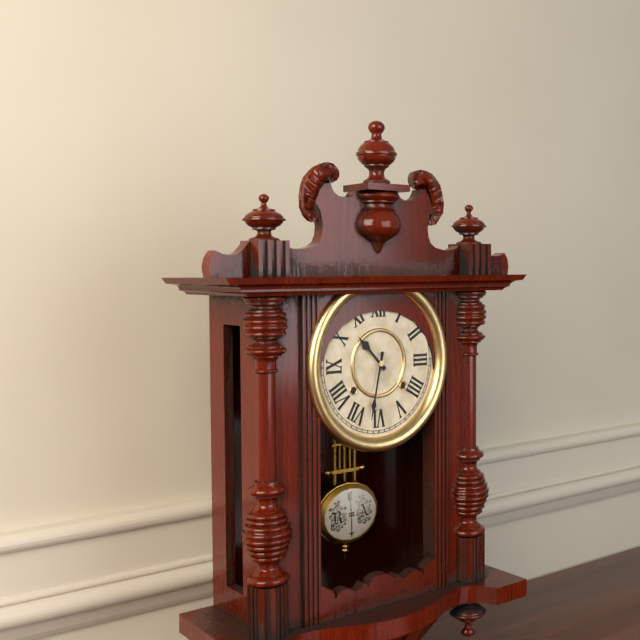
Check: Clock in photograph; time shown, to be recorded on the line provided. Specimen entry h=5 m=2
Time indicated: h=10 m=32
